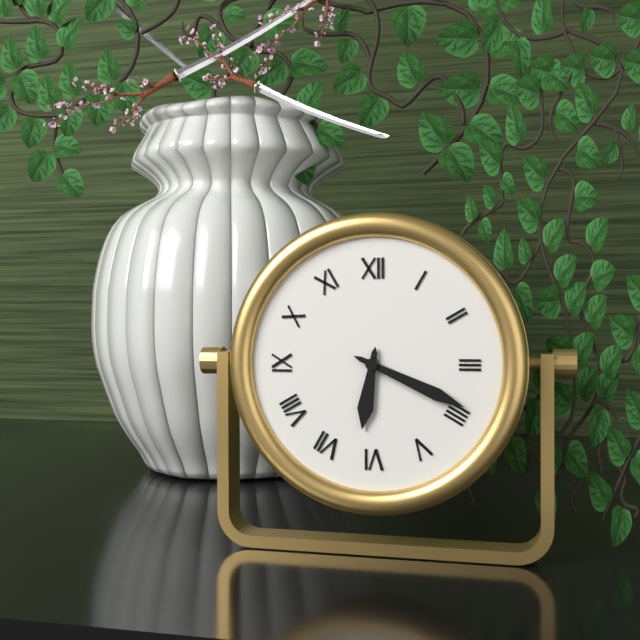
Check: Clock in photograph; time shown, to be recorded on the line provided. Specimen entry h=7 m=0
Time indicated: h=6 m=19
